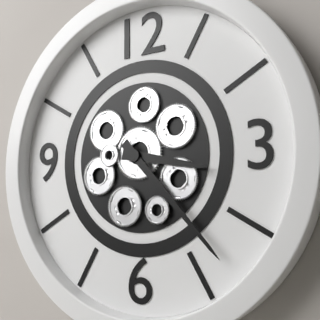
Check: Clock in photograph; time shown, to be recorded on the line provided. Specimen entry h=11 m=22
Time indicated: h=3 m=23
